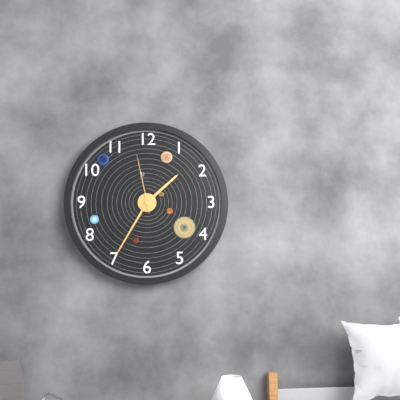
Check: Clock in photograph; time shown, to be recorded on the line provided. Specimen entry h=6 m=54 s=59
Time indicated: h=1 m=35 s=58
